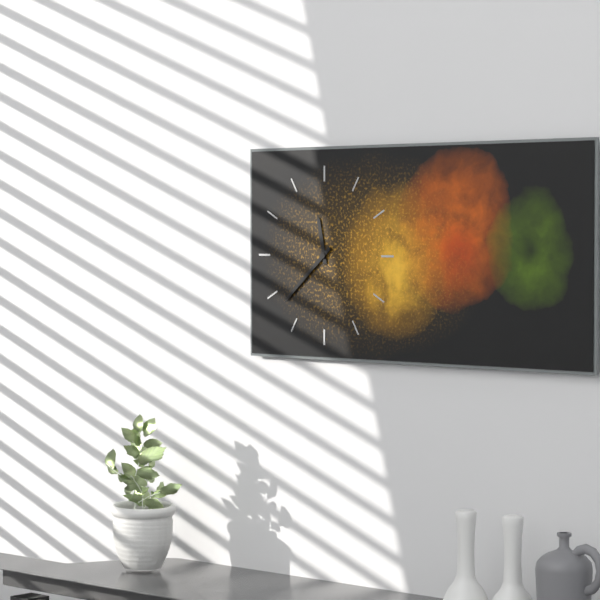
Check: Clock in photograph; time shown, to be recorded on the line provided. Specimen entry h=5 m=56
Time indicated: h=11 m=38
